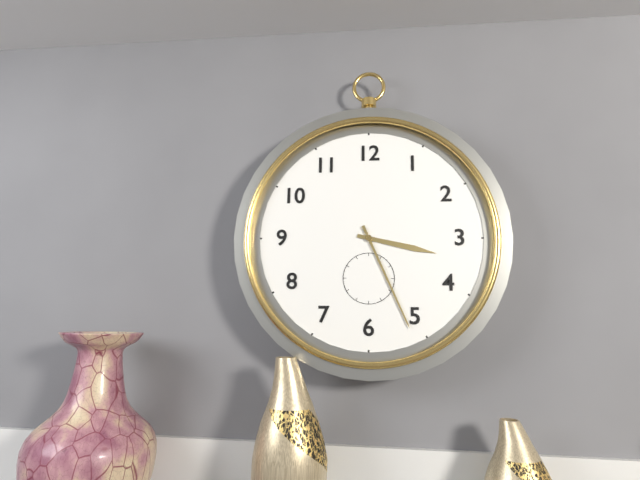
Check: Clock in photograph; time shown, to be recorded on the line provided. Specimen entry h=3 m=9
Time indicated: h=3 m=26
